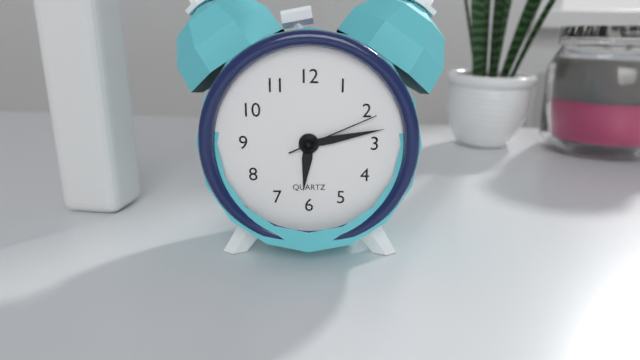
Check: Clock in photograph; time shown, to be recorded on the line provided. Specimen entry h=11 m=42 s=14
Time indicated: h=6 m=13 s=11
